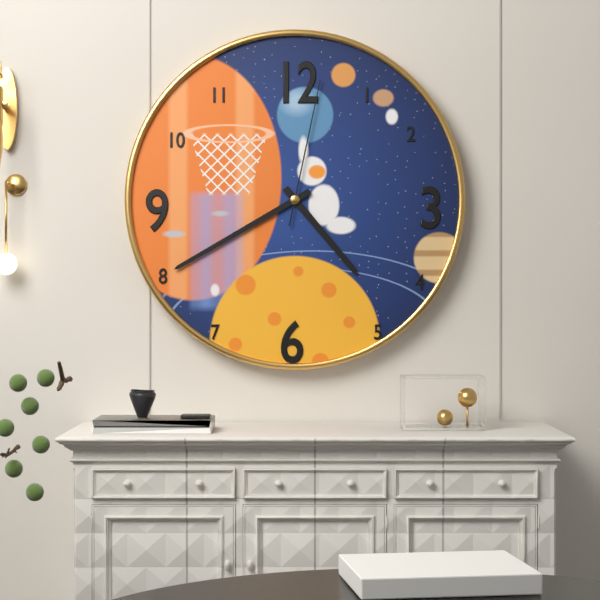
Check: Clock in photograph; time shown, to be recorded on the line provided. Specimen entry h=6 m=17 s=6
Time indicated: h=4 m=40 s=2
